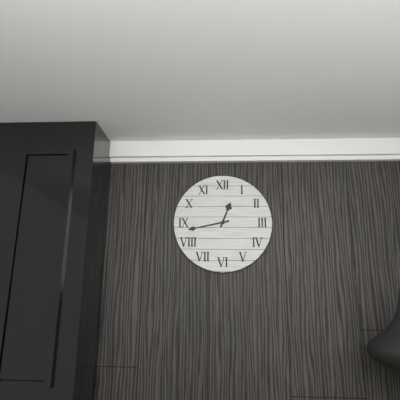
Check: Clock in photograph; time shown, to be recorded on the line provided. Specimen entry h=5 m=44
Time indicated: h=12 m=43
